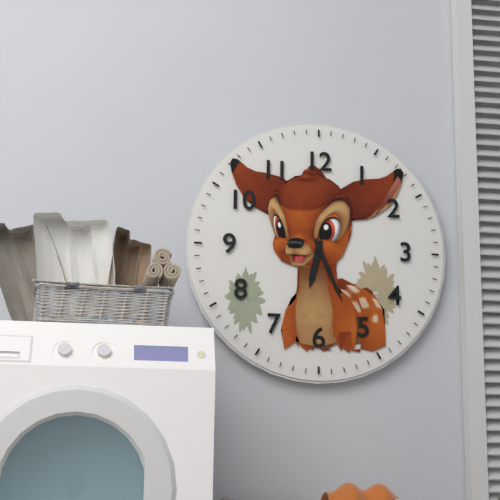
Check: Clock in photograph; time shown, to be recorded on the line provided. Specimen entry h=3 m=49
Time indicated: h=6 m=26
